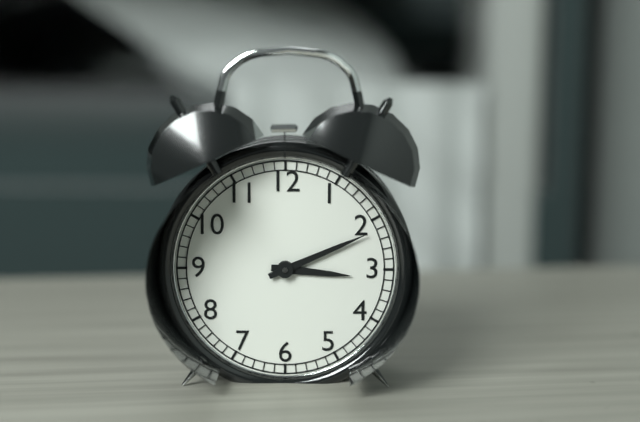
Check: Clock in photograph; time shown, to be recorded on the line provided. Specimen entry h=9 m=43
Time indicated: h=3 m=11
